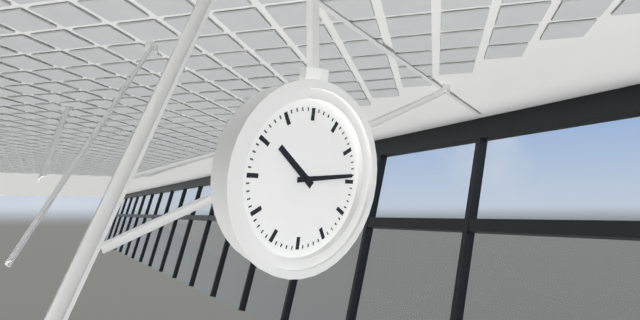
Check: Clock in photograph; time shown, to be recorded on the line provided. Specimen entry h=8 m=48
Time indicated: h=10 m=14
